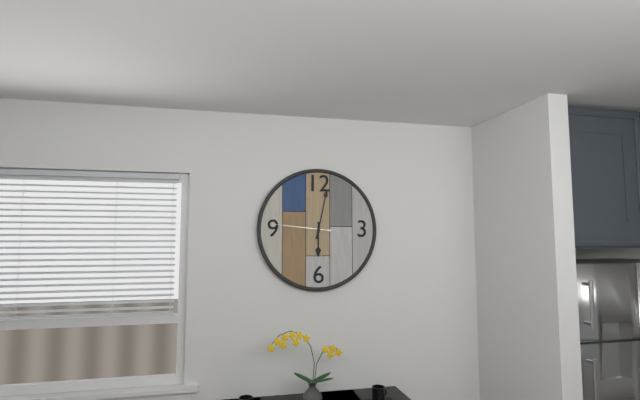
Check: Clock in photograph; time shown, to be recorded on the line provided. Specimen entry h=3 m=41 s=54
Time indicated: h=6 m=2 s=46
